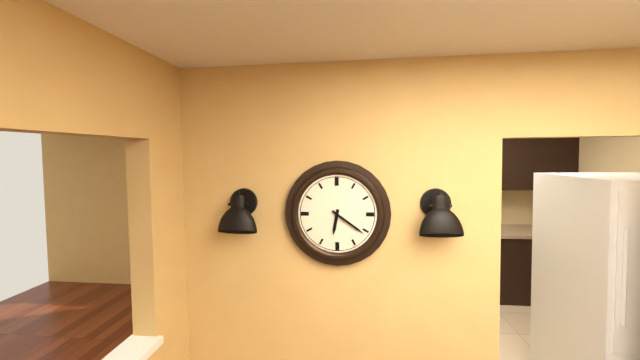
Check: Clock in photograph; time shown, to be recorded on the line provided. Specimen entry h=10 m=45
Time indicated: h=6 m=21
